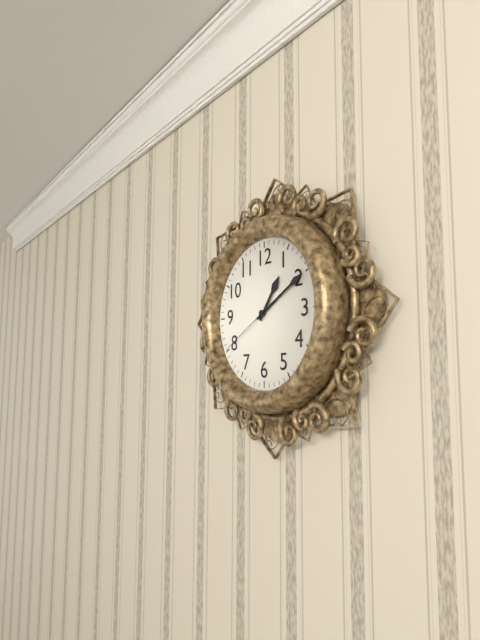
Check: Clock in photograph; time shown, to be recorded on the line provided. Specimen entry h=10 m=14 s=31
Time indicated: h=1 m=10 s=40
